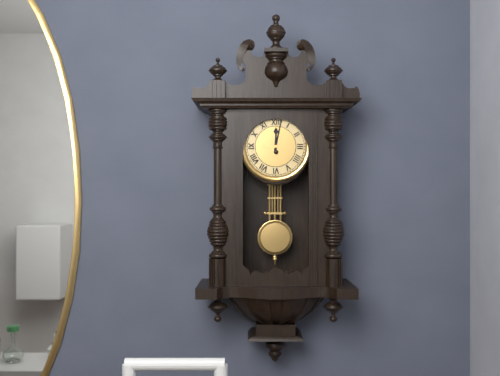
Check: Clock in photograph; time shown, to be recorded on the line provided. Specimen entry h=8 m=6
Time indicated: h=12 m=2
